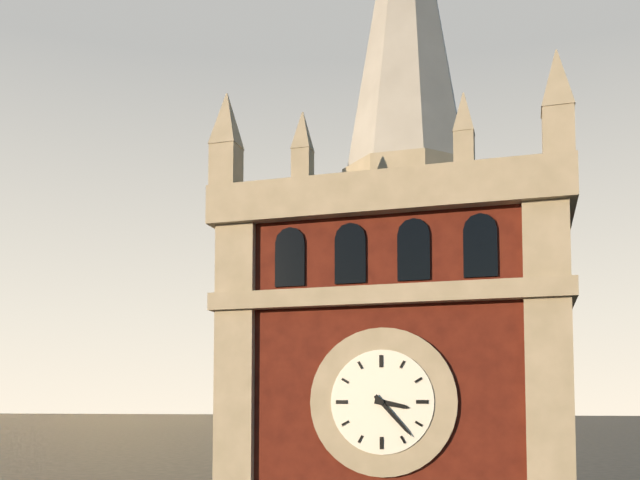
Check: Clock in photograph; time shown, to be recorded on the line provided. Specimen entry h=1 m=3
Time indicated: h=3 m=23
